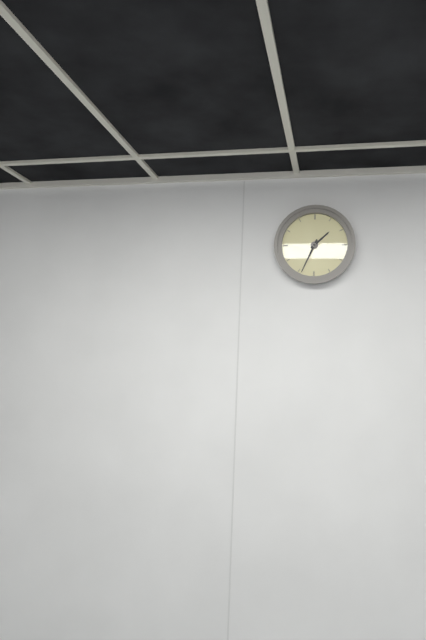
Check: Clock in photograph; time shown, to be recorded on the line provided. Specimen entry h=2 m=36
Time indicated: h=1 m=34
